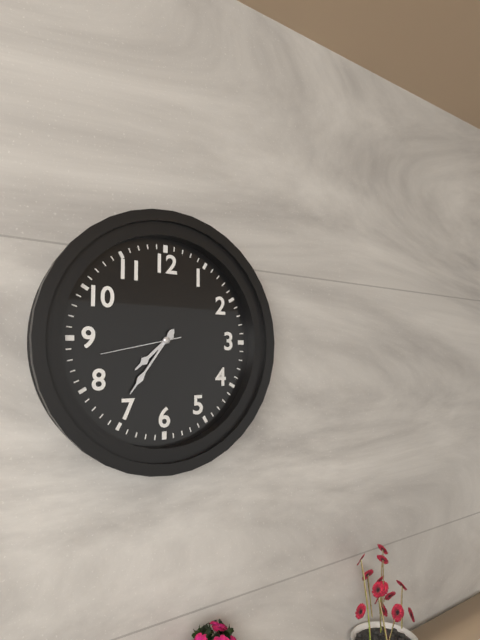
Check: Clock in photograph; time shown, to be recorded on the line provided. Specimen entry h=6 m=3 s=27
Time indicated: h=7 m=36 s=43
